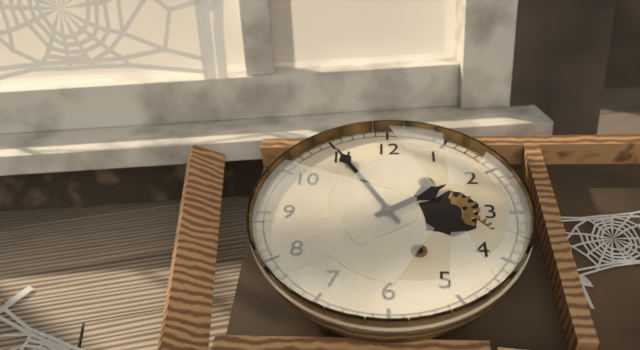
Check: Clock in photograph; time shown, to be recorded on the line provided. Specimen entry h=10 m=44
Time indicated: h=1 m=55
